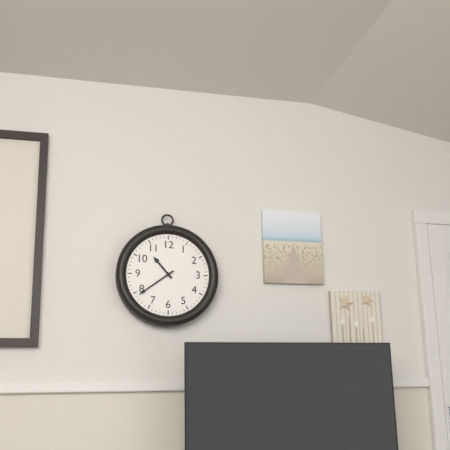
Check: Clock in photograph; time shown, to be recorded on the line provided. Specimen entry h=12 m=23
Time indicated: h=10 m=39
